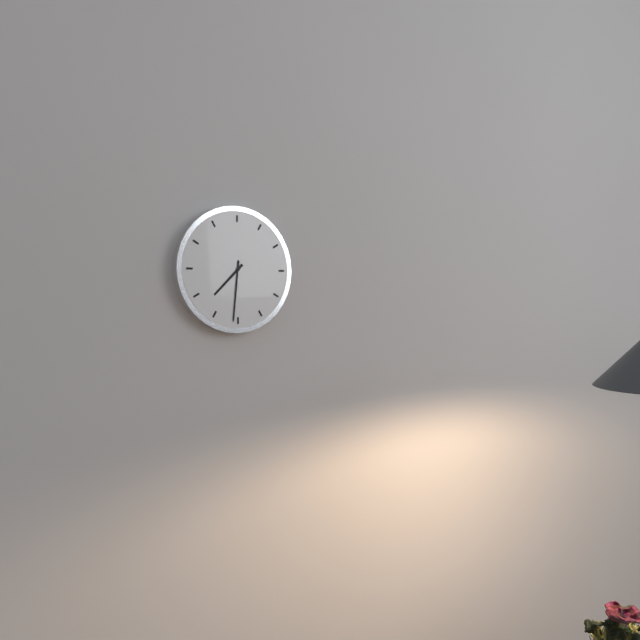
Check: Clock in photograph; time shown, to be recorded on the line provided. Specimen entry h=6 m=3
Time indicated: h=7 m=31
